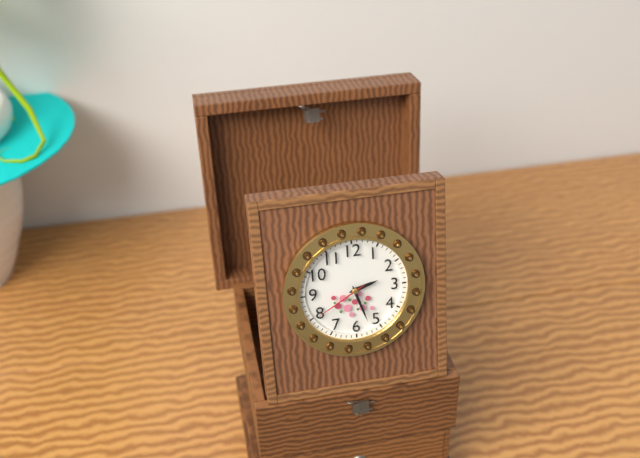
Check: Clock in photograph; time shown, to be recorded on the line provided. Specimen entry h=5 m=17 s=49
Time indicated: h=2 m=27 s=40
